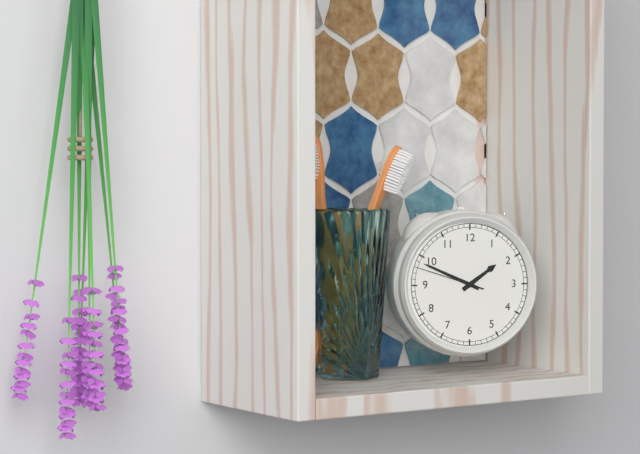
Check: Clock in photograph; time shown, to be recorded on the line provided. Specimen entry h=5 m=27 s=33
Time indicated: h=1 m=49 s=48
